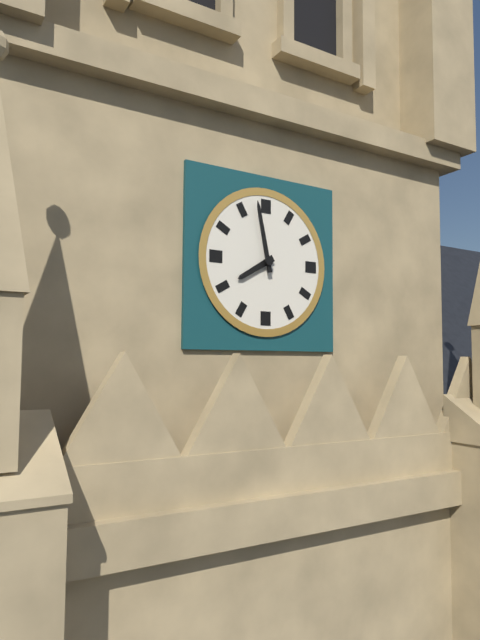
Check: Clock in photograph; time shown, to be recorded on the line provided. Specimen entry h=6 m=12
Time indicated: h=7 m=58
